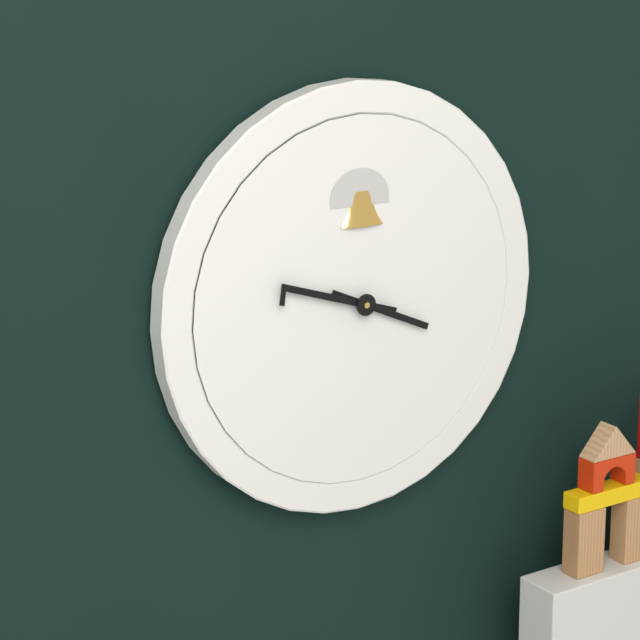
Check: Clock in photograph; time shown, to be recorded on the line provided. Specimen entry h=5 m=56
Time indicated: h=3 m=48
